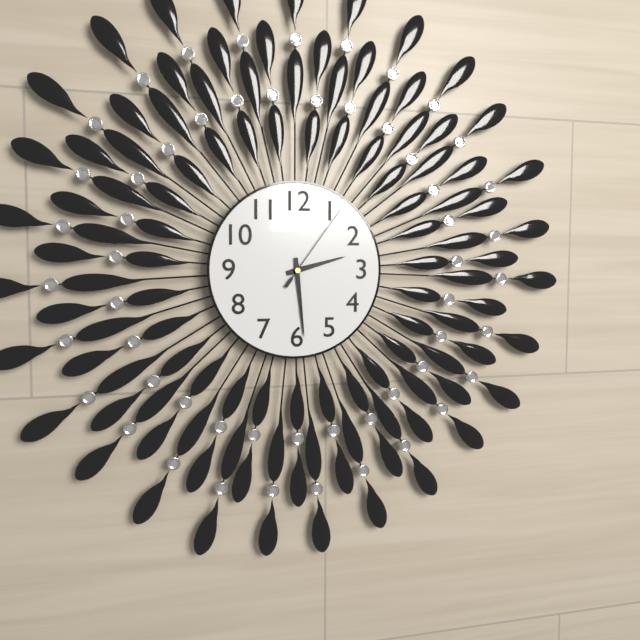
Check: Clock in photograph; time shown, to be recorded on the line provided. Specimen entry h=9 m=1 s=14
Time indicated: h=2 m=29 s=6
